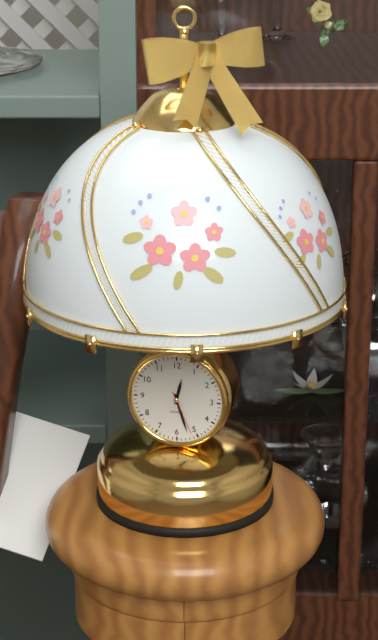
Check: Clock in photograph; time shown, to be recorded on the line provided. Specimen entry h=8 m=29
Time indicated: h=12 m=27
